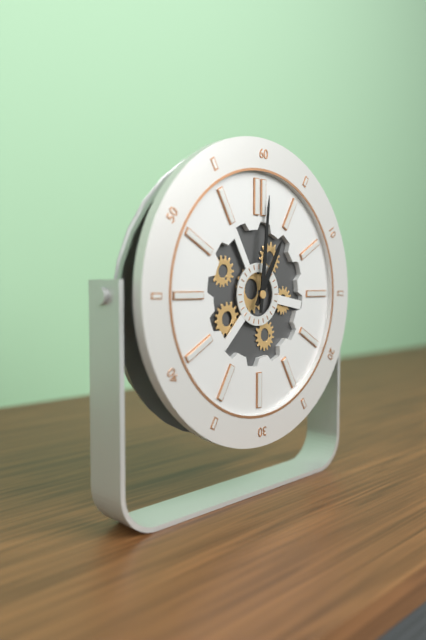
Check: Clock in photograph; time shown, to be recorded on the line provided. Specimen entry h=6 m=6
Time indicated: h=1 m=1
